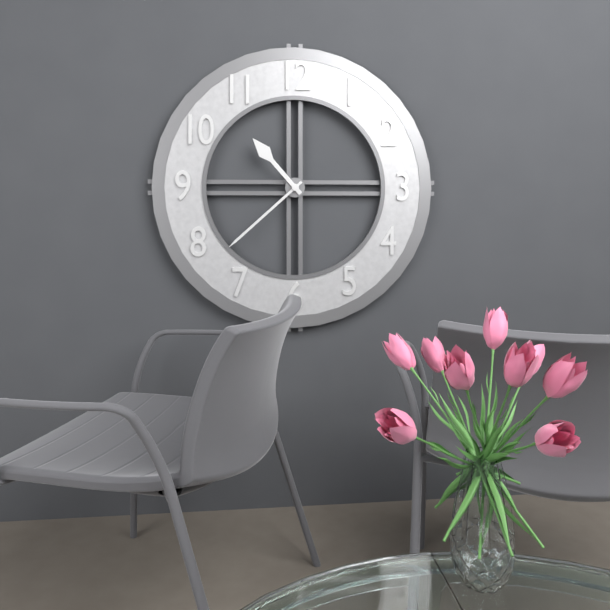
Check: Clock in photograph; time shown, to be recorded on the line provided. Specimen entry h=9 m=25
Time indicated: h=10 m=38
